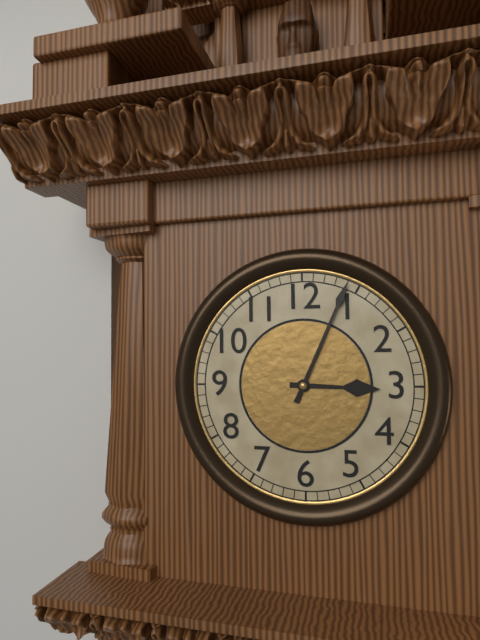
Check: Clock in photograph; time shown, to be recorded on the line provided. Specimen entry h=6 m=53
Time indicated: h=3 m=4
